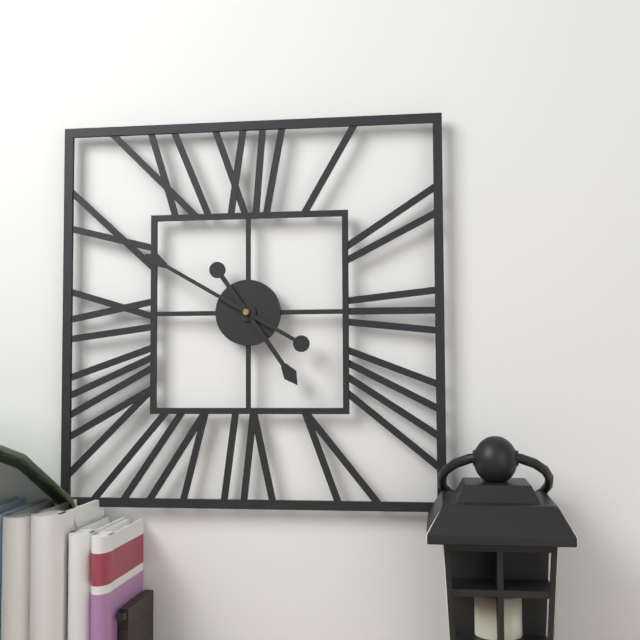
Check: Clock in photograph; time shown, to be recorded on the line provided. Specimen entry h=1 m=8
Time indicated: h=4 m=50
